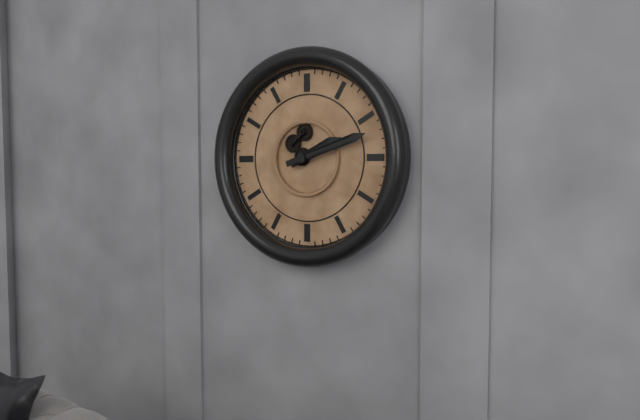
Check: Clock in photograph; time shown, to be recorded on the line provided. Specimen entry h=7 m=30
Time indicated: h=2 m=12
